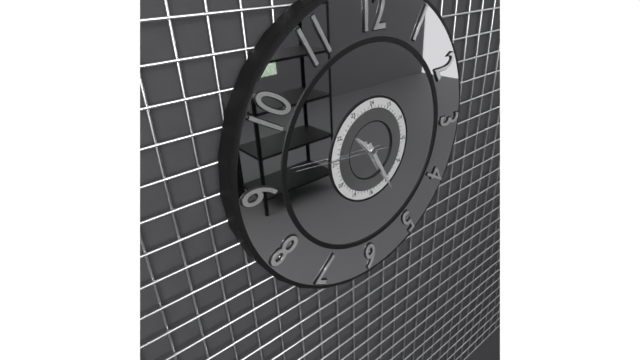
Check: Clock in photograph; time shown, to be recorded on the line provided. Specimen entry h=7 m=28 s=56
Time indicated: h=10 m=25 s=46
